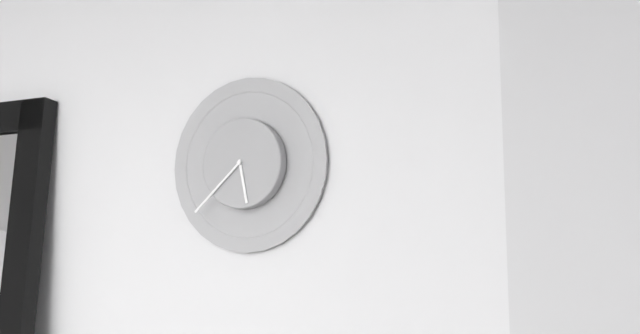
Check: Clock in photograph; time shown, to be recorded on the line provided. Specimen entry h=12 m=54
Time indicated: h=5 m=38
